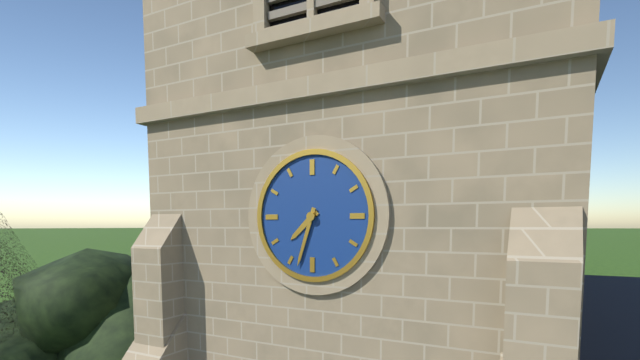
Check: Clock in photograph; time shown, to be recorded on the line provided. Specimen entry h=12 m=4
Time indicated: h=7 m=33
